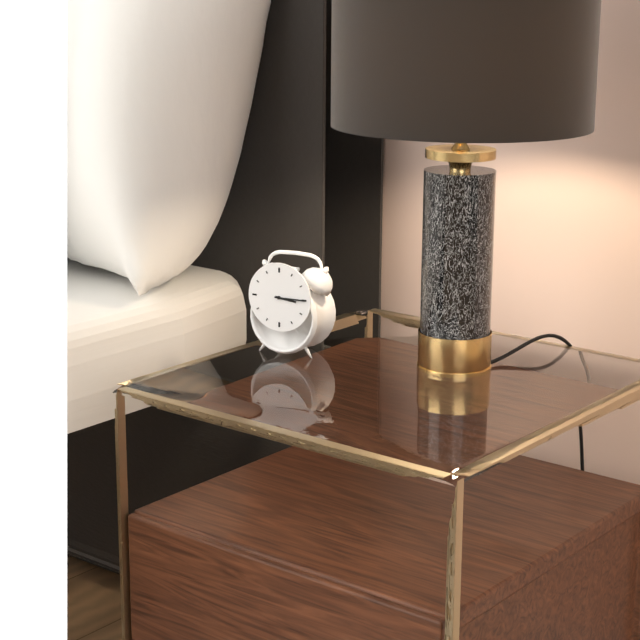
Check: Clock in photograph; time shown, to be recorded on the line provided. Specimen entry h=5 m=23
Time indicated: h=3 m=15
